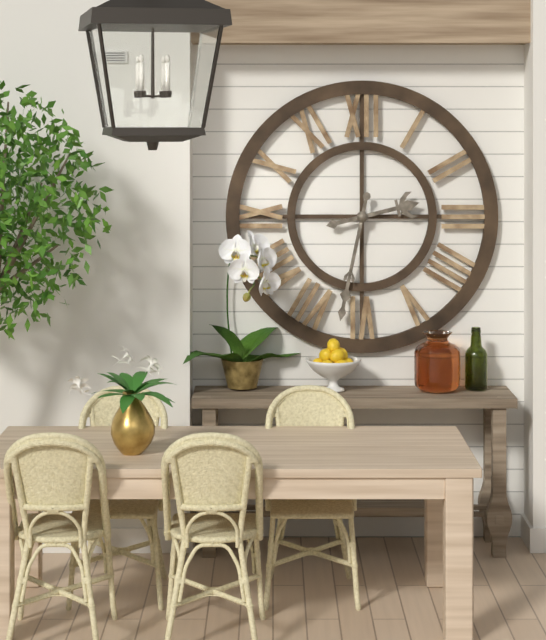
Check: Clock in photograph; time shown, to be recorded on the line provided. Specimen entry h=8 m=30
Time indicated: h=2 m=32
